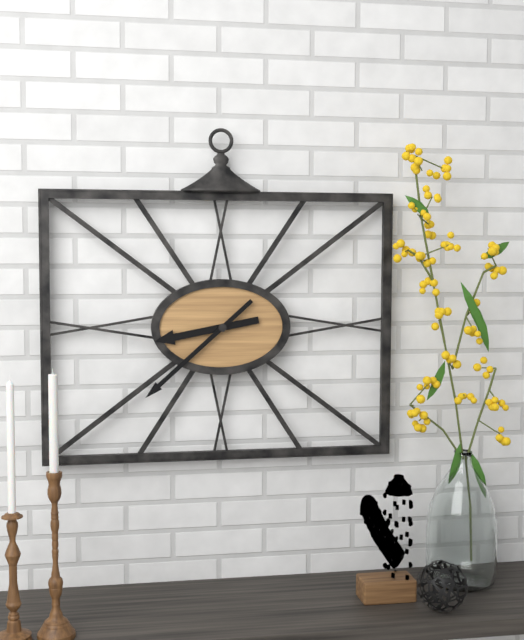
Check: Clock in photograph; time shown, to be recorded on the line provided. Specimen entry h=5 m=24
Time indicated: h=8 m=38
